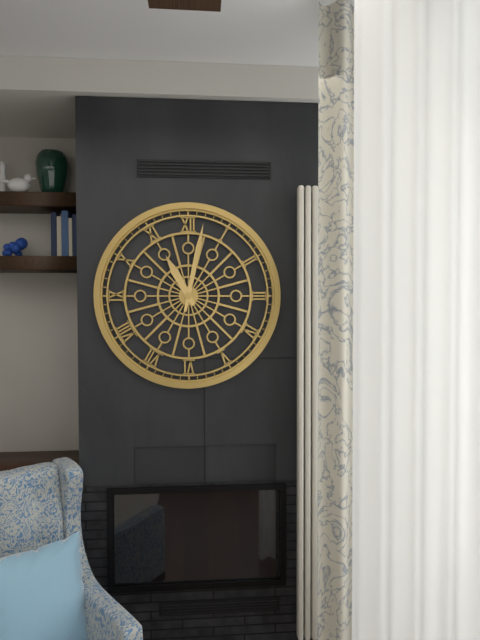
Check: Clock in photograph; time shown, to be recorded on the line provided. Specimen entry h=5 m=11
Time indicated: h=11 m=2
